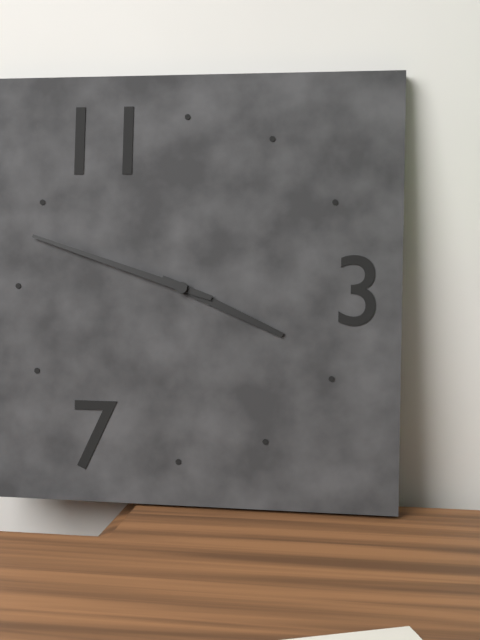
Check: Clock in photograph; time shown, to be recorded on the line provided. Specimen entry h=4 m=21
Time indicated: h=3 m=48
